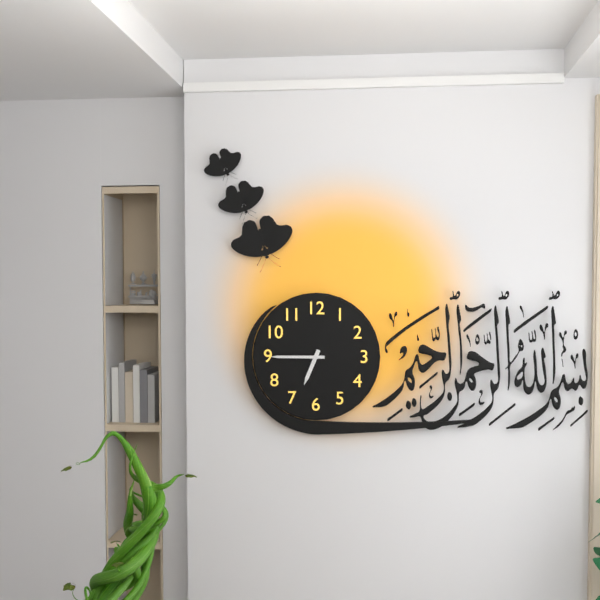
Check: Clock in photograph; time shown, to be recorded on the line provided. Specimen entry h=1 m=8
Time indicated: h=6 m=45
